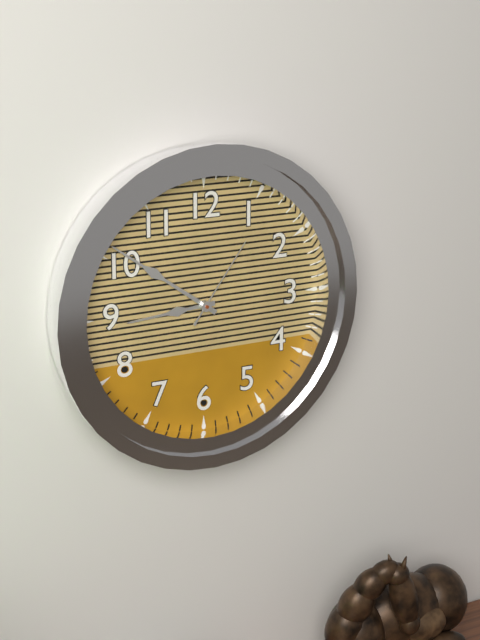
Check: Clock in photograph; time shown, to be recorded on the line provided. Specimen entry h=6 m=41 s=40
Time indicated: h=8 m=51 s=6
